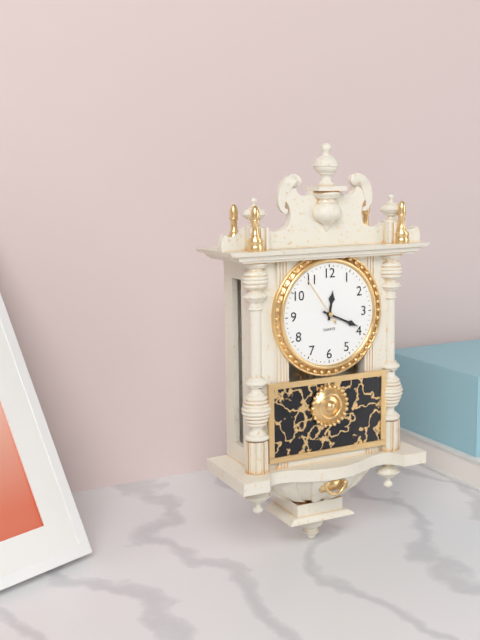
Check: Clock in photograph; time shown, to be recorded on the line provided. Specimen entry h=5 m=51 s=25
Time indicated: h=12 m=19 s=54
